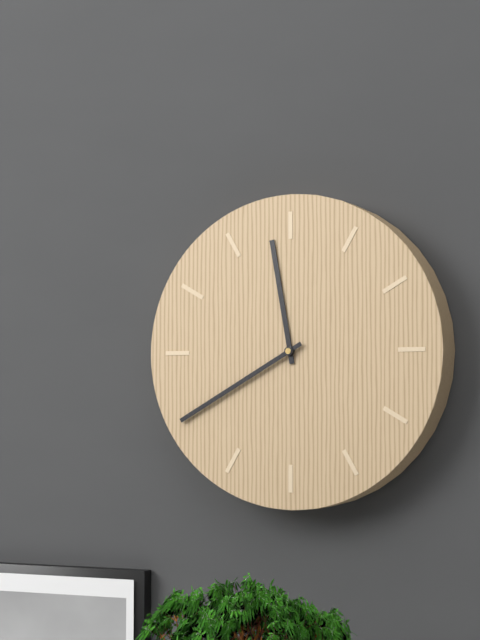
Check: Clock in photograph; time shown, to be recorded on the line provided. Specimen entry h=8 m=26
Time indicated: h=11 m=40
